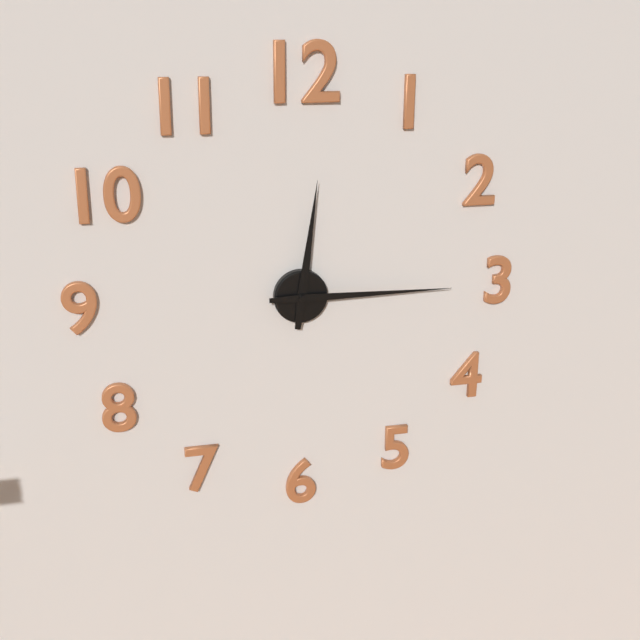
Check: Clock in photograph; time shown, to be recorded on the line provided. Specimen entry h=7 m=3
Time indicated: h=12 m=15
